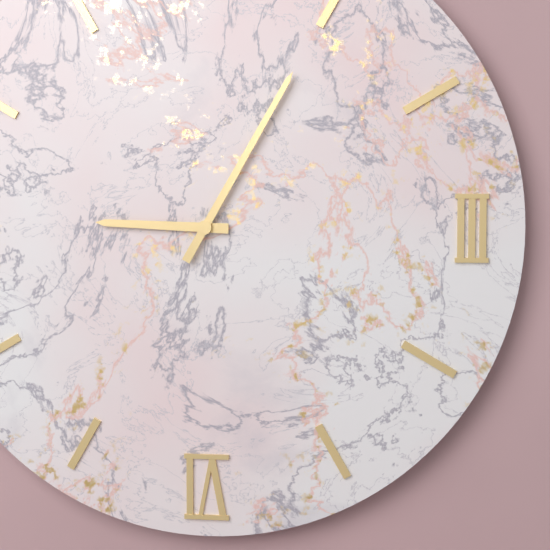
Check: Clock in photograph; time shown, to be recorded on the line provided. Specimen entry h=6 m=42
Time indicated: h=9 m=5
